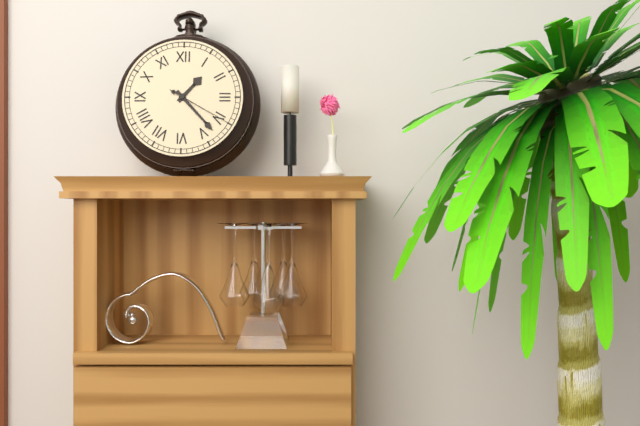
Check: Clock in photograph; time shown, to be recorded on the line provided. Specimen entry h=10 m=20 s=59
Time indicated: h=1 m=23 s=20
